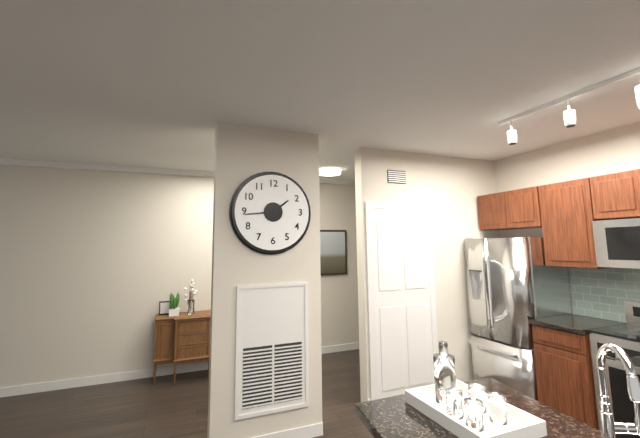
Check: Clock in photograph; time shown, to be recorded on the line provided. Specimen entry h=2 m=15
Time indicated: h=1 m=44
